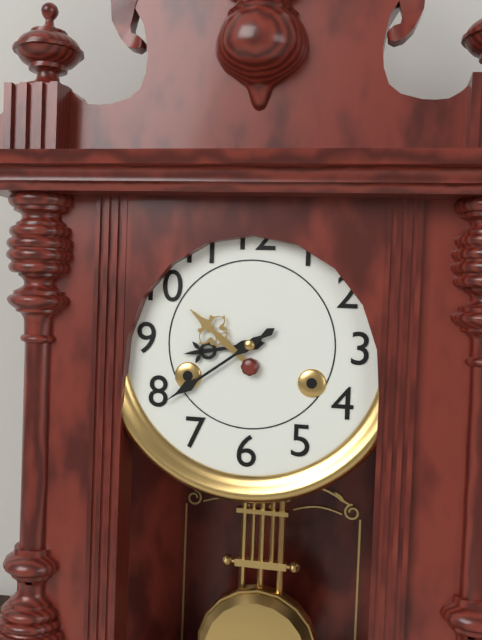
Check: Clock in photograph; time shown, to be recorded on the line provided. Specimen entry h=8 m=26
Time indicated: h=8 m=39
